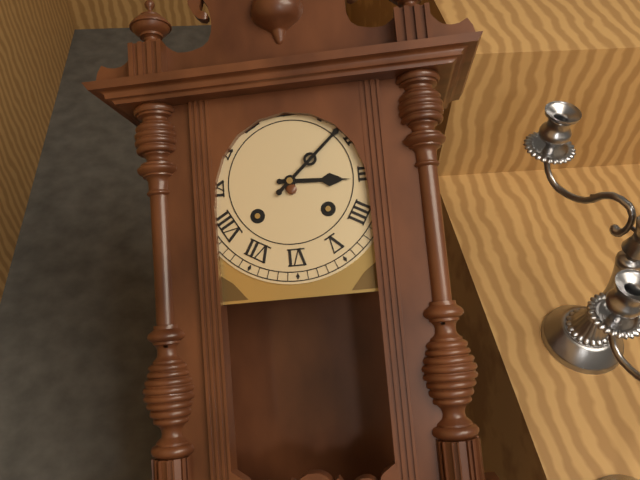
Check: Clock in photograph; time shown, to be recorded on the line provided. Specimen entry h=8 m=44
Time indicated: h=3 m=8
